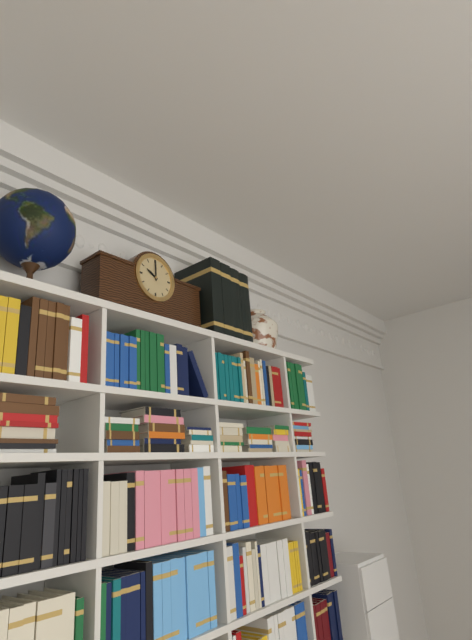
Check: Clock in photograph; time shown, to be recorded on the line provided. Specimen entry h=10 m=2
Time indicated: h=10 m=0
